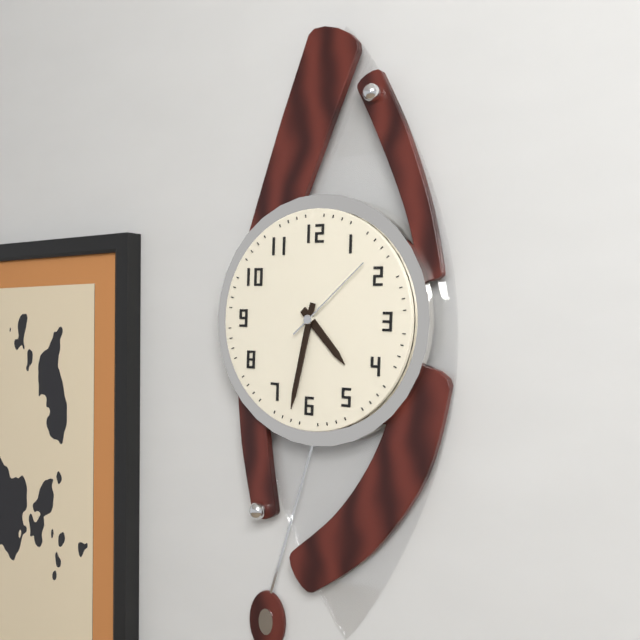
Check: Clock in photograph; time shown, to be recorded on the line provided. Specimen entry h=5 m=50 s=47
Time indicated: h=4 m=32 s=8
